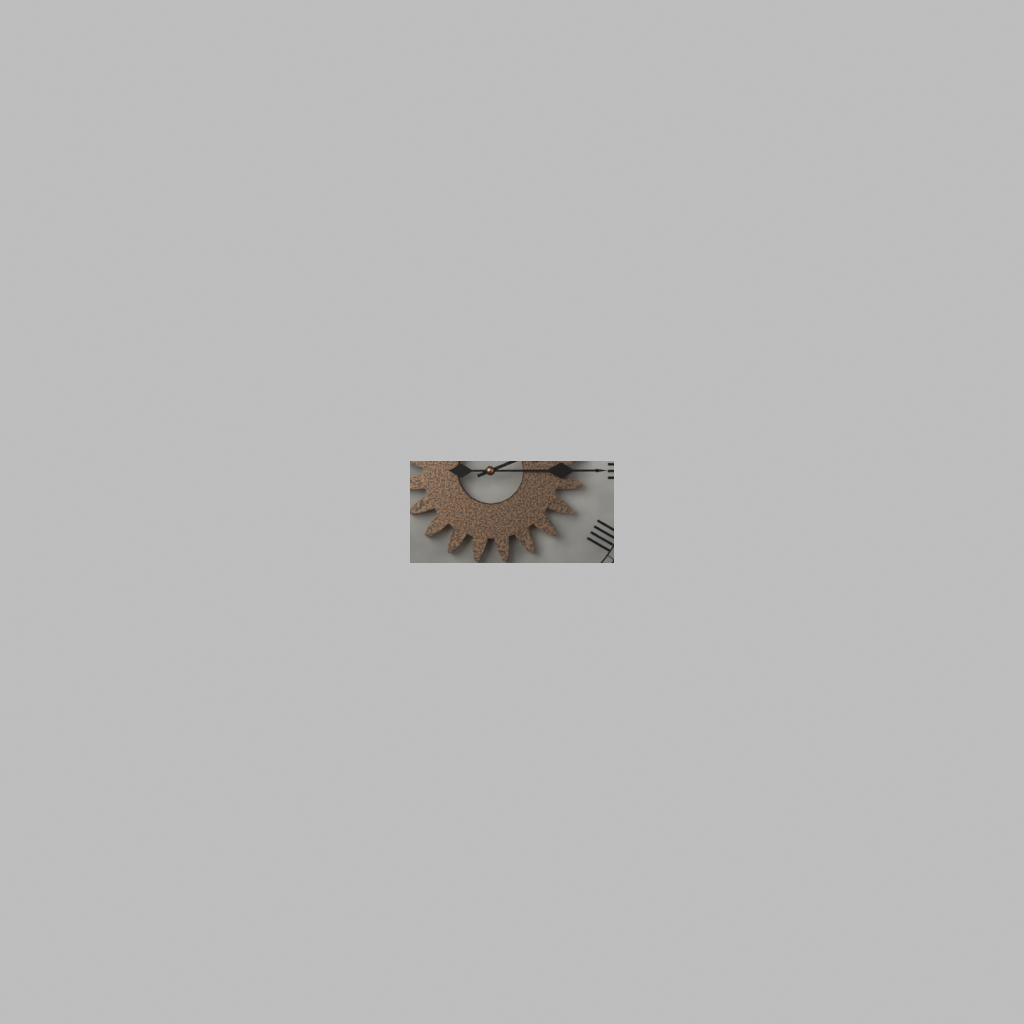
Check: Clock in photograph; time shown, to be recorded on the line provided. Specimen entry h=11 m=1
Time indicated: h=2 m=15
